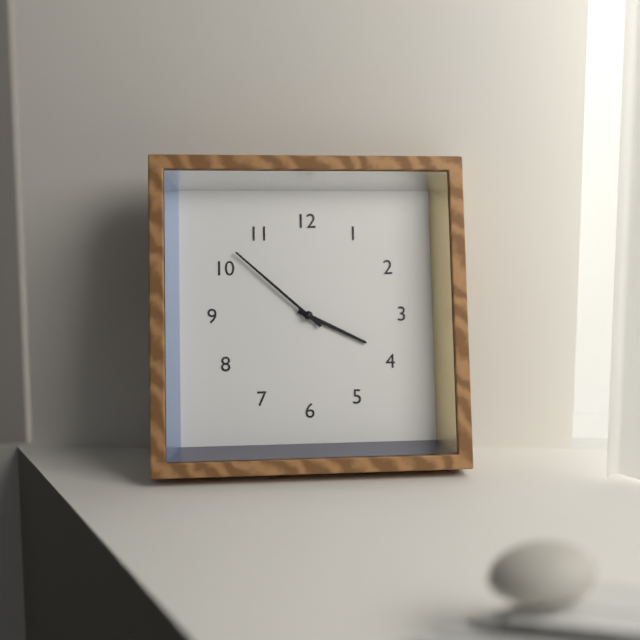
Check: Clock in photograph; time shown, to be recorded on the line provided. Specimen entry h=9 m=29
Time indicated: h=3 m=52
